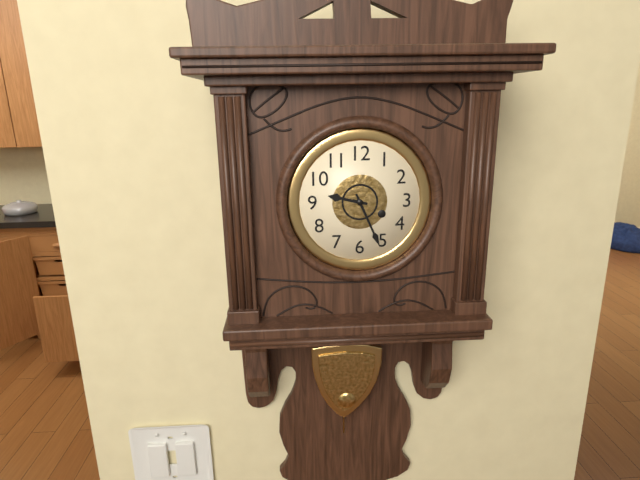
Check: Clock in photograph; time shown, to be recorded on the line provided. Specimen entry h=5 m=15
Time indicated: h=9 m=26
